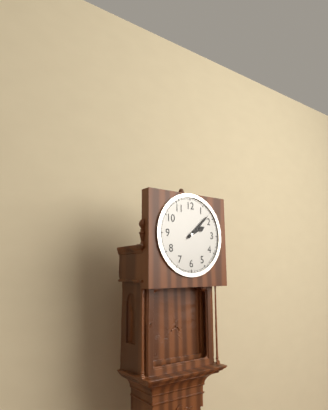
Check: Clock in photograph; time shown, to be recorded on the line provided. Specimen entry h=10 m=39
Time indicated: h=2 m=8
